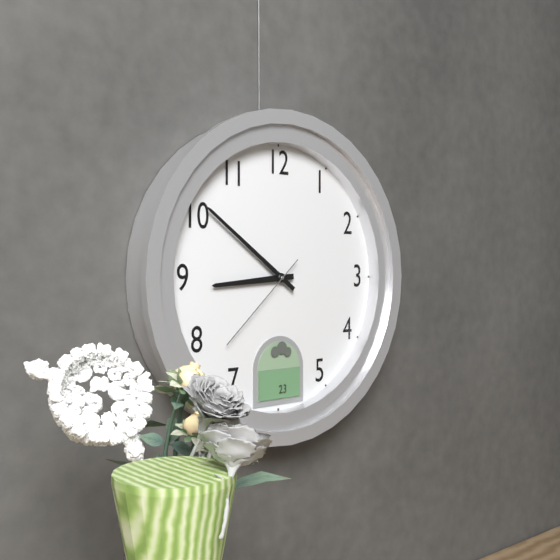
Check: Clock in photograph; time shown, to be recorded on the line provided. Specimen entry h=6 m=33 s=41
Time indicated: h=8 m=51 s=38
